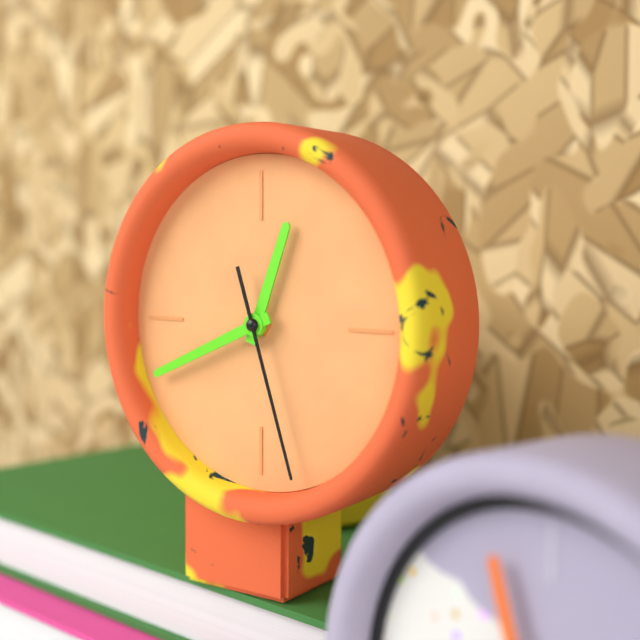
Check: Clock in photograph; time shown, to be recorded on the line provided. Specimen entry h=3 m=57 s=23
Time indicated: h=12 m=41 s=27
